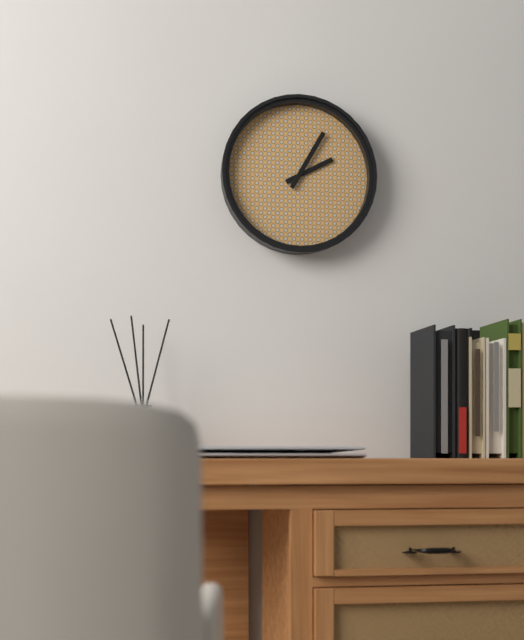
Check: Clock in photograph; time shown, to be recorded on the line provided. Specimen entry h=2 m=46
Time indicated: h=2 m=5
